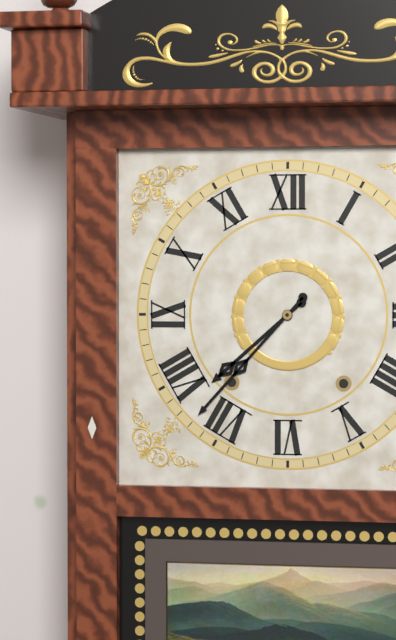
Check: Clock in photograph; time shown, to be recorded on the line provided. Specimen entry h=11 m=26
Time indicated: h=7 m=37
